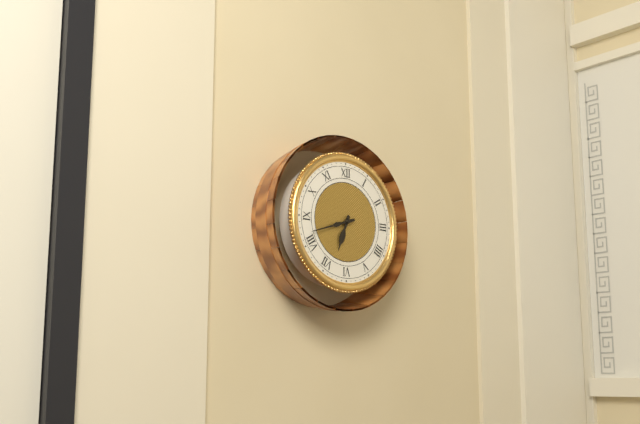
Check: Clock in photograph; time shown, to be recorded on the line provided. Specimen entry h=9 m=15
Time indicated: h=6 m=42
